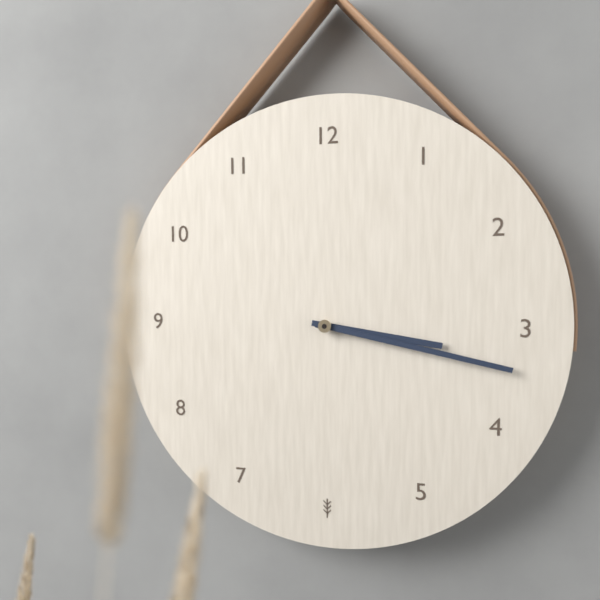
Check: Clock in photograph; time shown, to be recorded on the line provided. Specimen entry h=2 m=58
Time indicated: h=3 m=17
